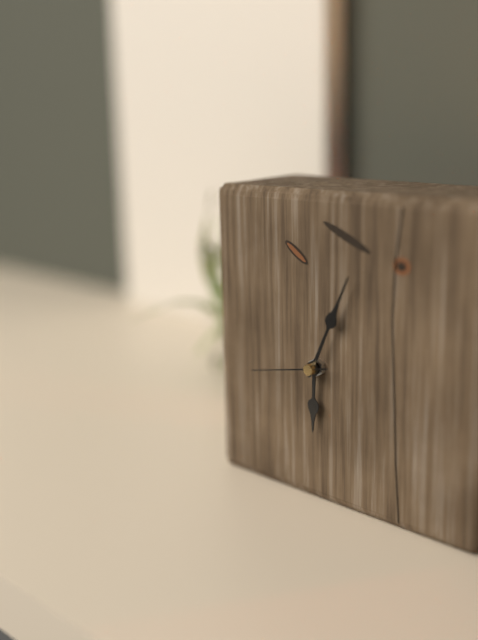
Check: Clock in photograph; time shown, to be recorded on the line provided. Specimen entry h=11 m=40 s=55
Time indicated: h=6 m=4 s=43
